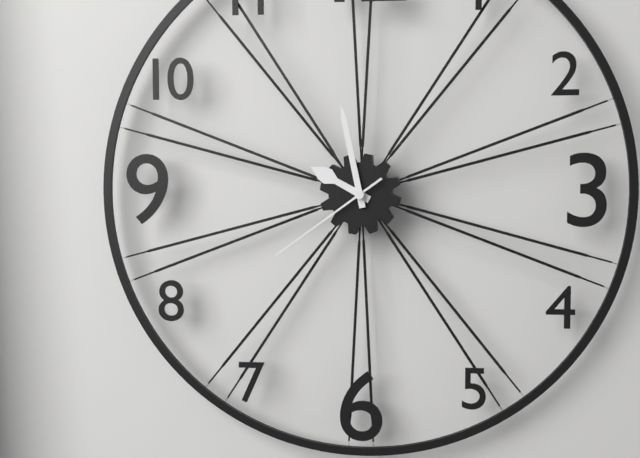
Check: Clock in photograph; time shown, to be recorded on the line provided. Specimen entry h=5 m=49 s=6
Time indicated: h=9 m=58 s=39
